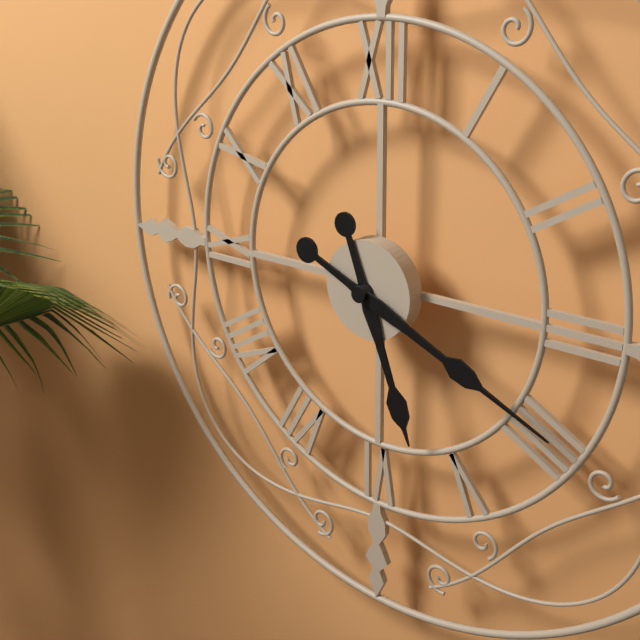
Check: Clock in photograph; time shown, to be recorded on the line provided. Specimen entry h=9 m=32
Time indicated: h=5 m=19
